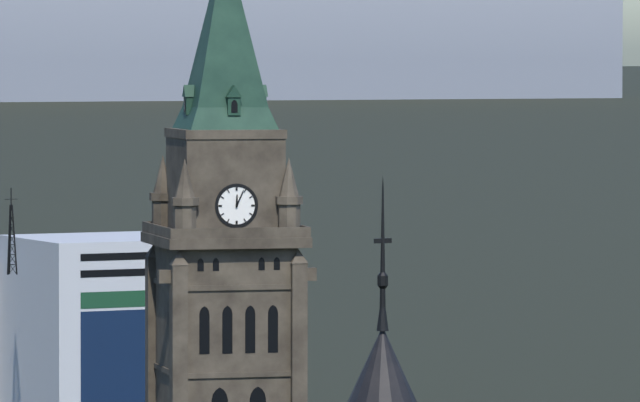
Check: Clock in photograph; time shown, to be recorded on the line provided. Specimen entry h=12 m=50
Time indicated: h=12 m=4
